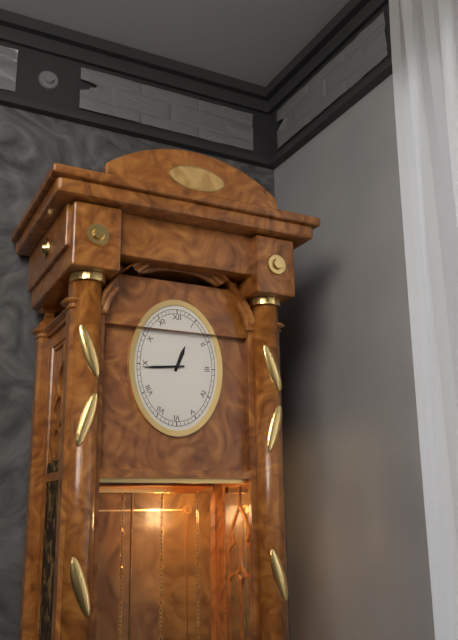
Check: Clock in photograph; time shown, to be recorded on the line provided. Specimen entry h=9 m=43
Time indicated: h=12 m=44
